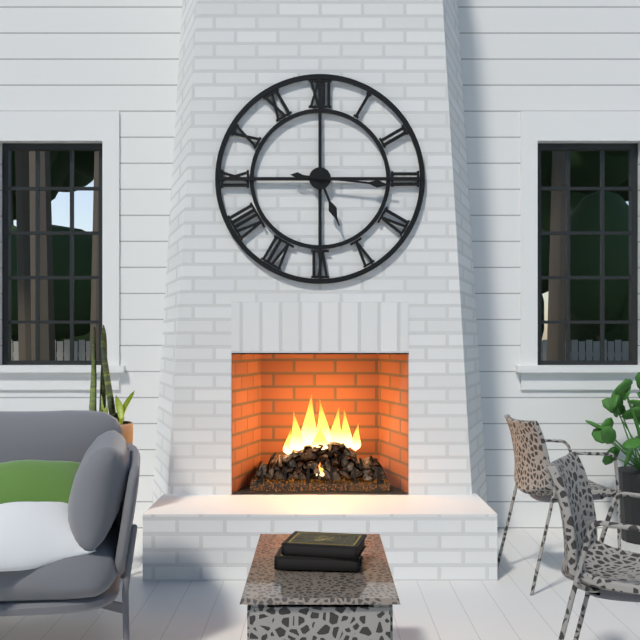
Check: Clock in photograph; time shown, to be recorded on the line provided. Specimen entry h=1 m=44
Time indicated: h=5 m=16
